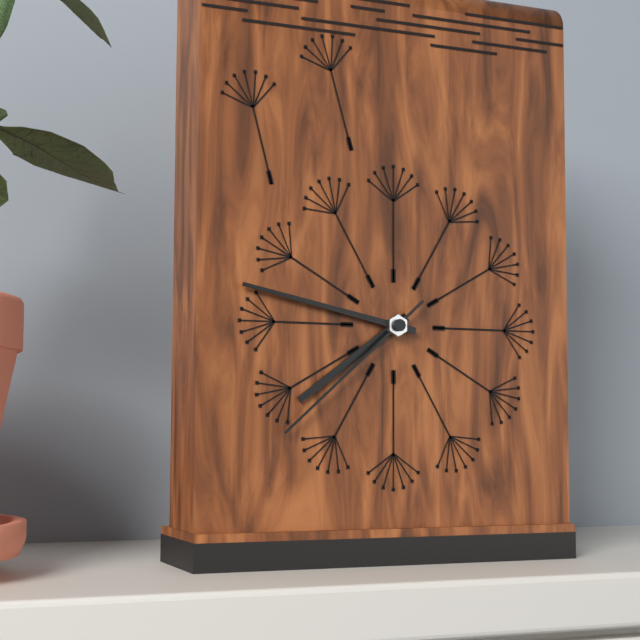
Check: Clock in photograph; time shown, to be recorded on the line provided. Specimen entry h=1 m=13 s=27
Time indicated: h=7 m=47 s=38
